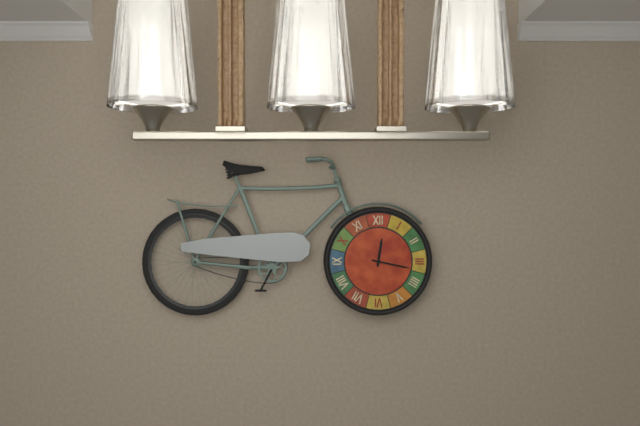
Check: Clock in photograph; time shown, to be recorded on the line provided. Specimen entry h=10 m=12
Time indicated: h=12 m=17
